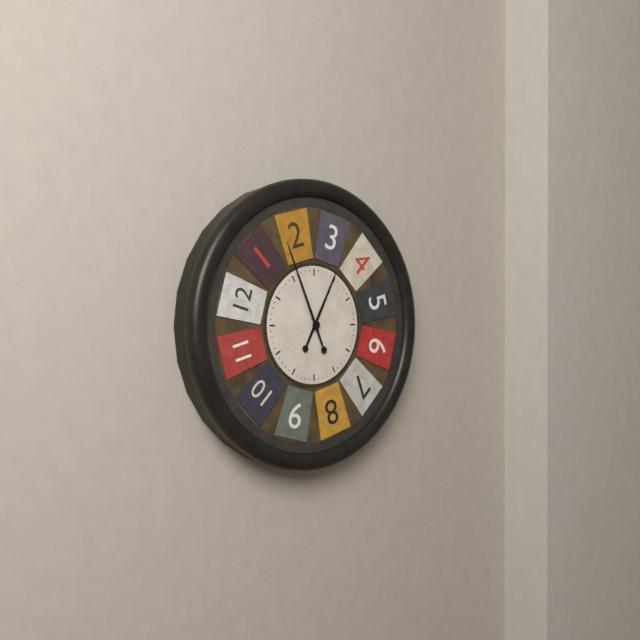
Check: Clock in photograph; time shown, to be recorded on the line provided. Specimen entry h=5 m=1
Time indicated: h=12 m=56
